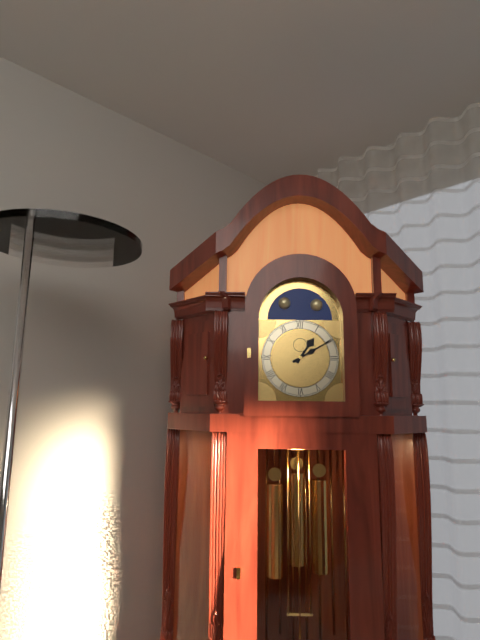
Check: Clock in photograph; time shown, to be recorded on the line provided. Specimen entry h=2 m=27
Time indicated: h=1 m=10
